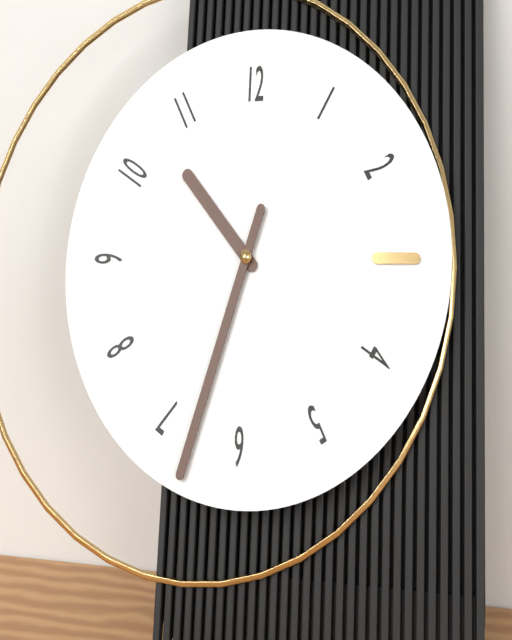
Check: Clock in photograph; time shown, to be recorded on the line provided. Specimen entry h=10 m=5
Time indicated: h=10 m=33
